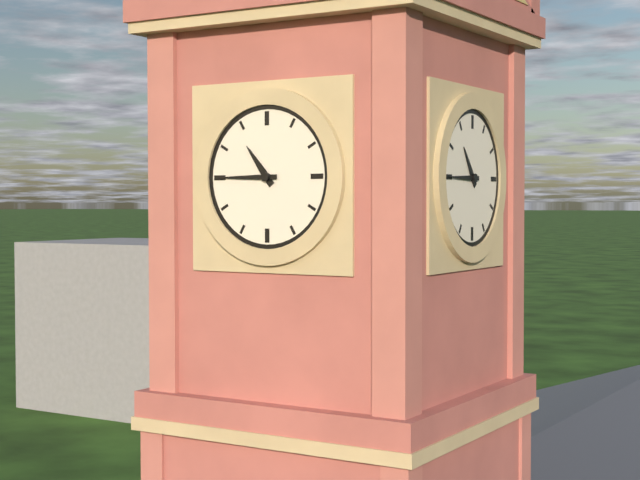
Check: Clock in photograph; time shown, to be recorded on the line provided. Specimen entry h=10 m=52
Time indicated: h=10 m=45
